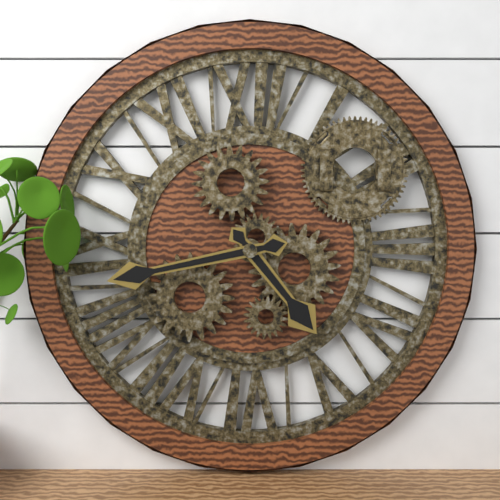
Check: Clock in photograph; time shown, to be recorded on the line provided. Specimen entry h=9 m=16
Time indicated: h=4 m=43
